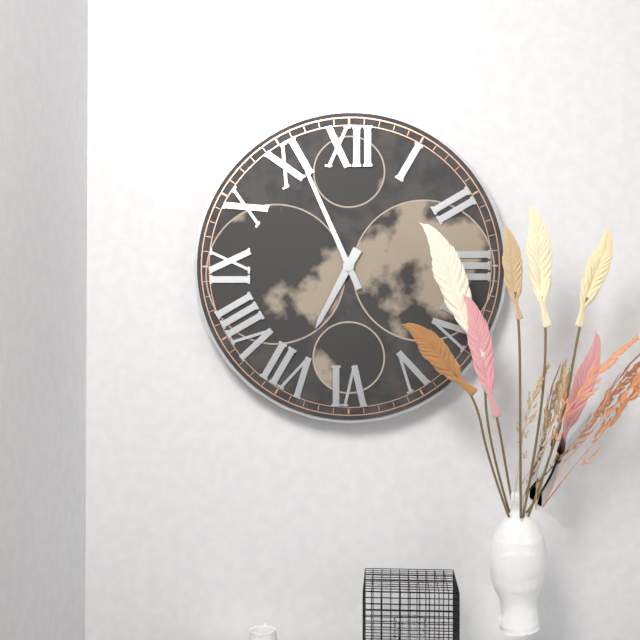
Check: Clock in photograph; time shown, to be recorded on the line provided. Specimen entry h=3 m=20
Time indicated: h=6 m=56
